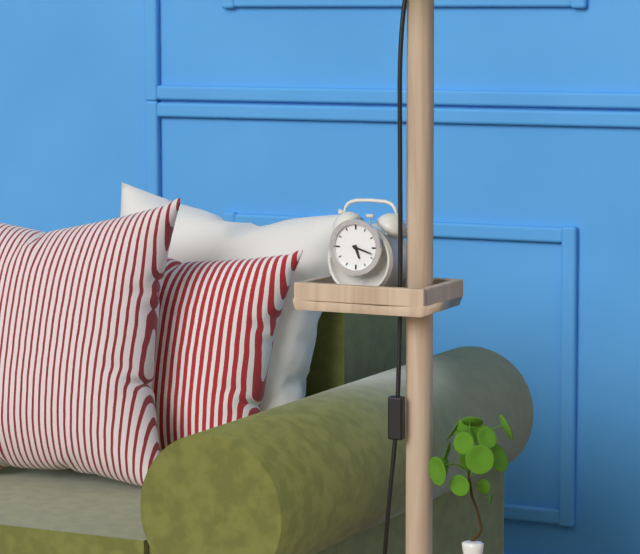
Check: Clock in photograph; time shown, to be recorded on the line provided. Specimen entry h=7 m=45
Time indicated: h=5 m=18
